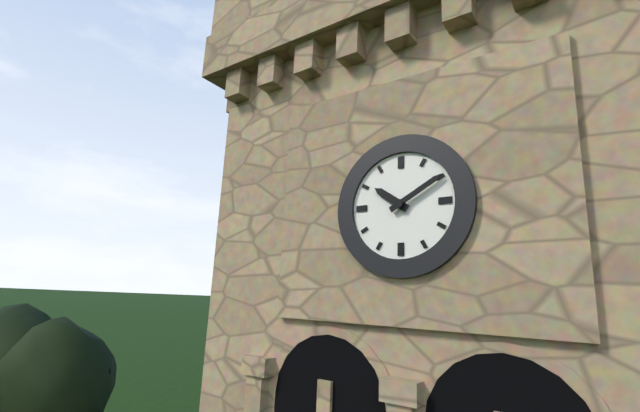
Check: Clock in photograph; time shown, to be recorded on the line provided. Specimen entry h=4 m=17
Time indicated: h=10 m=10
